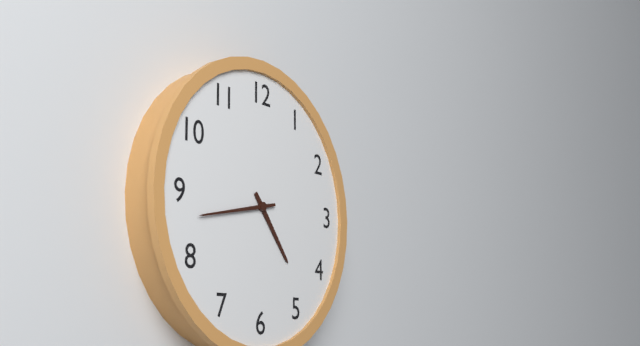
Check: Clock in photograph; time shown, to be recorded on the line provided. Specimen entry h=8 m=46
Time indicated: h=4 m=43
